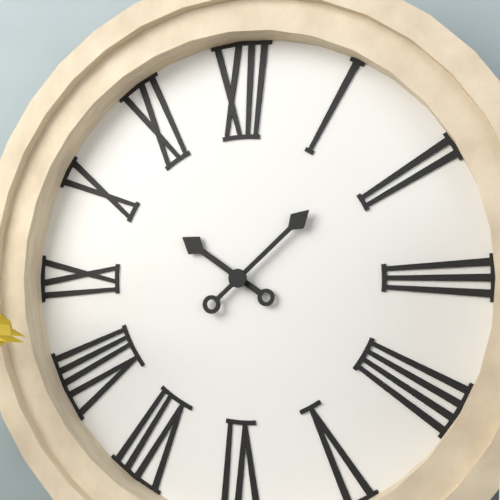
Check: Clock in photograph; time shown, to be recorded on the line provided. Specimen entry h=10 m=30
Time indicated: h=10 m=8
